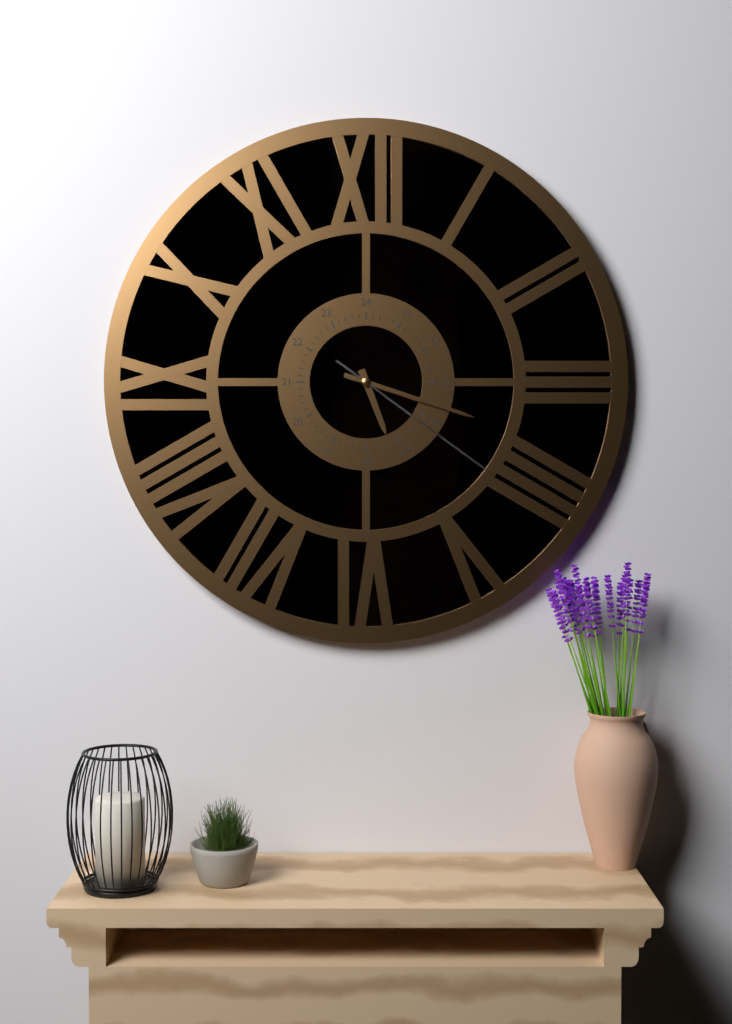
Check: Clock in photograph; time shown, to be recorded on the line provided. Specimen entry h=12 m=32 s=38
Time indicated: h=5 m=18 s=21
